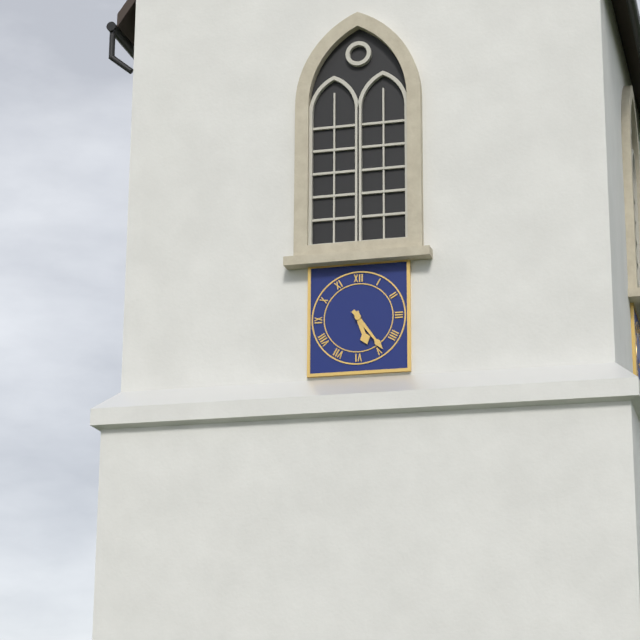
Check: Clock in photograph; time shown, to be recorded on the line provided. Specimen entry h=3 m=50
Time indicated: h=5 m=24
